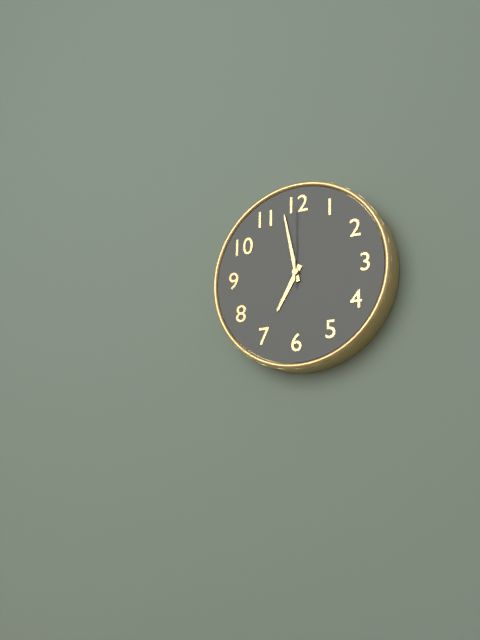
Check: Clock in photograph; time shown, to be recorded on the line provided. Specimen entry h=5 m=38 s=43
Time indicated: h=6 m=58 s=0
